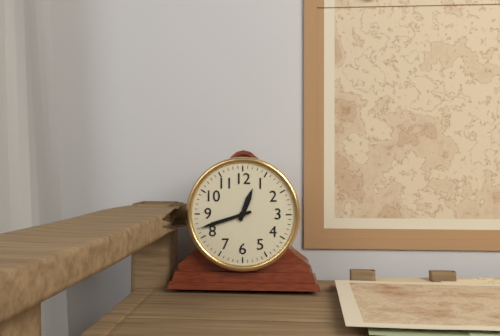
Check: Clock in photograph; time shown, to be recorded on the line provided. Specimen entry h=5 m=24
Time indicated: h=12 m=42
